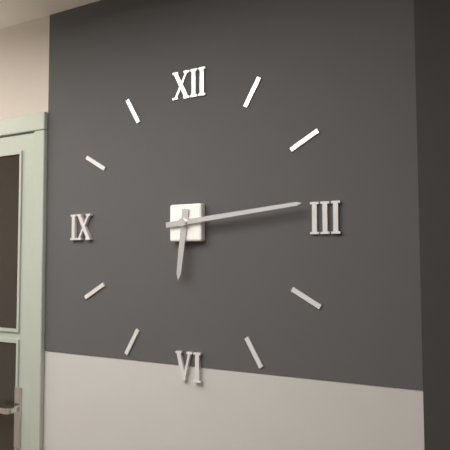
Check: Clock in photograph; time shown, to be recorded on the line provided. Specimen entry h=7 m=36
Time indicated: h=6 m=14
